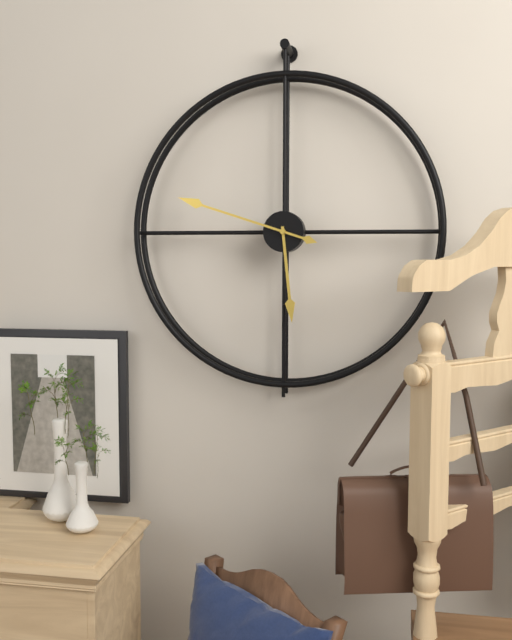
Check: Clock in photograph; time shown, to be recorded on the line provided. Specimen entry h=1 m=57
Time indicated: h=5 m=48
